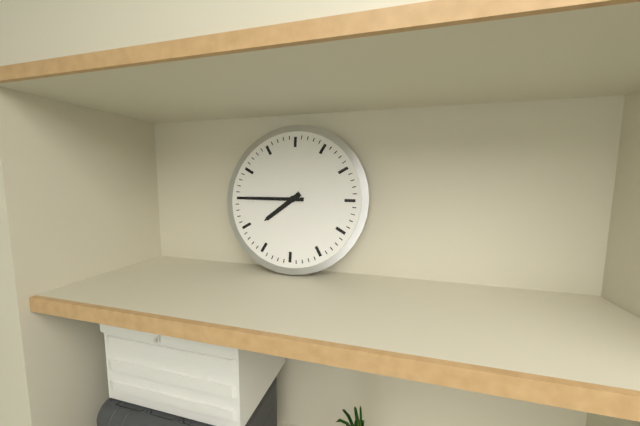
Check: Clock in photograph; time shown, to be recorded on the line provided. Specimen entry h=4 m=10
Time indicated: h=7 m=45
